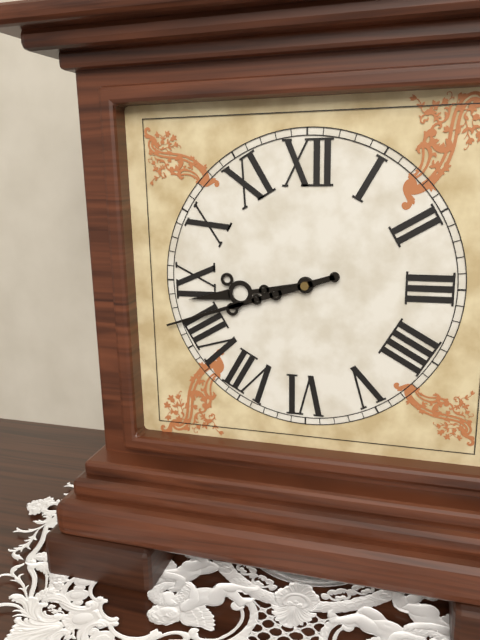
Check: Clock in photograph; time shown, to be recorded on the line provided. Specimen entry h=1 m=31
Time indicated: h=8 m=42
